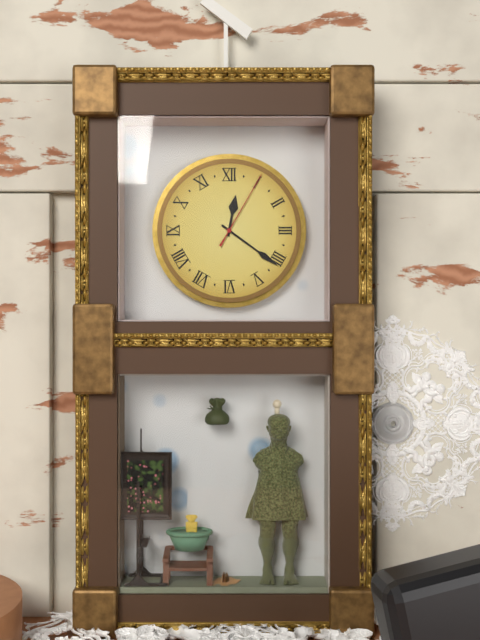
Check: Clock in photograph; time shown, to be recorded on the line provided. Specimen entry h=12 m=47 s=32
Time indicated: h=12 m=21 s=5
